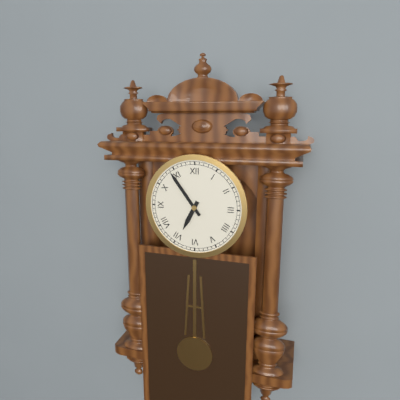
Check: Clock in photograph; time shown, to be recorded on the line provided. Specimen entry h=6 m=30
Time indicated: h=6 m=54
